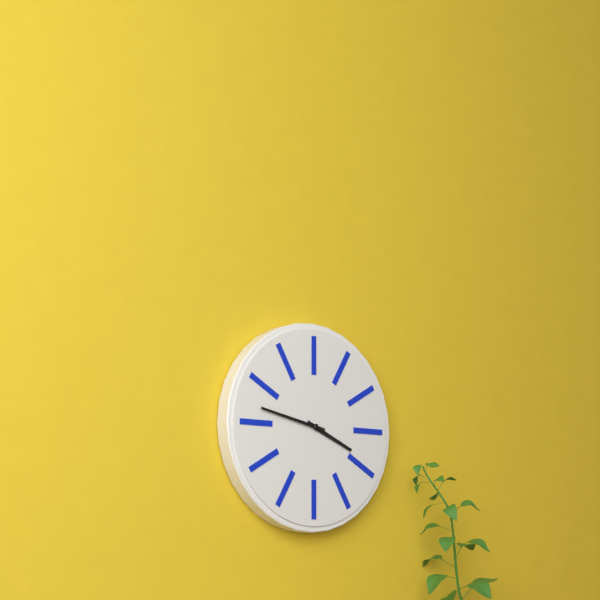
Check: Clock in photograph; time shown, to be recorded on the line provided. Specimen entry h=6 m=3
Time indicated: h=3 m=47
